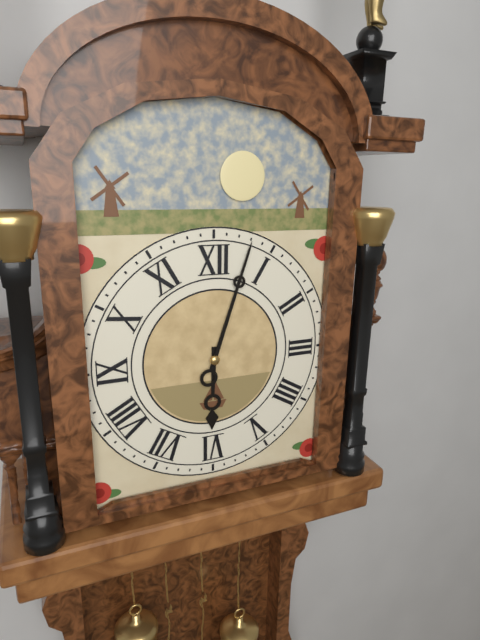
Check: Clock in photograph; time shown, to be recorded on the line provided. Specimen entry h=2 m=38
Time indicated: h=6 m=3
